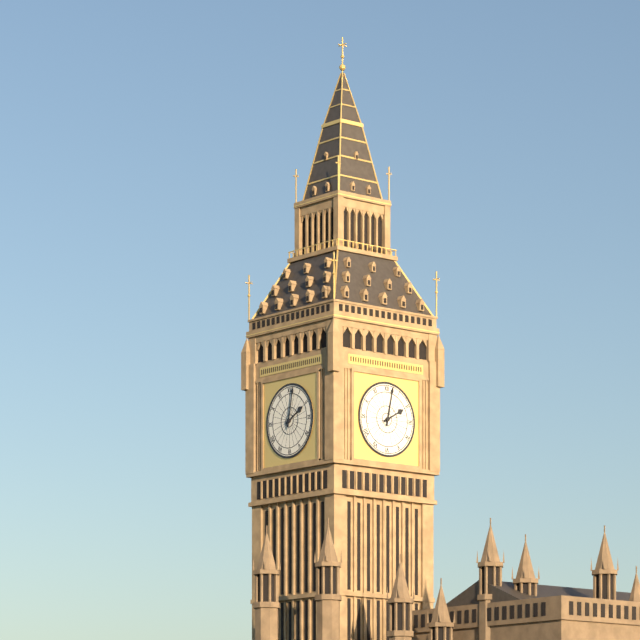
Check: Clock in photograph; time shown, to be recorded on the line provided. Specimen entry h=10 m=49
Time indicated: h=2 m=2
